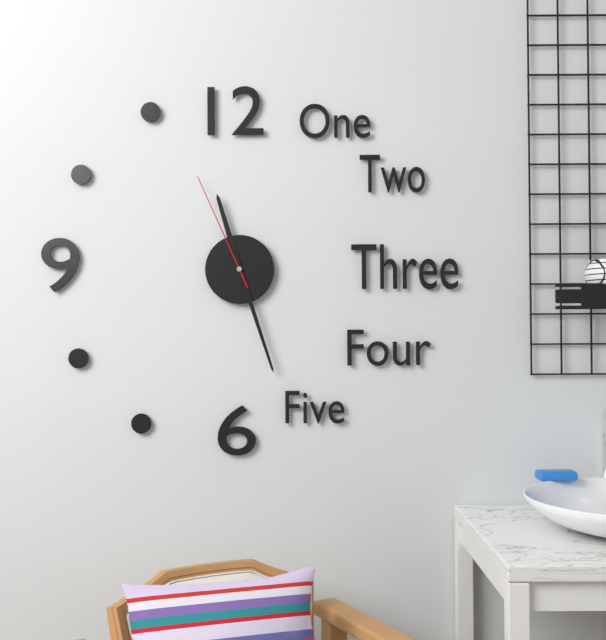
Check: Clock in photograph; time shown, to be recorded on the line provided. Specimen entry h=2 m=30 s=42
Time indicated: h=11 m=27 s=56
